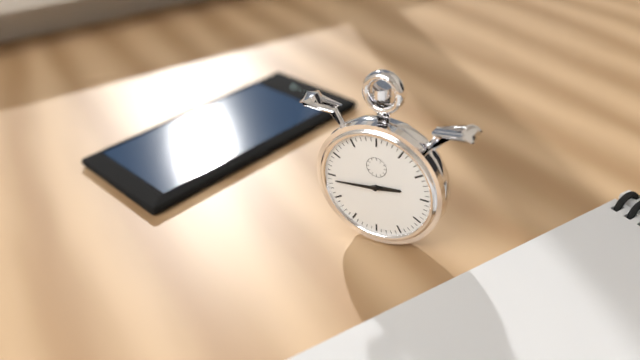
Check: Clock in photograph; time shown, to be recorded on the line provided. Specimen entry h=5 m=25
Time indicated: h=2 m=44
